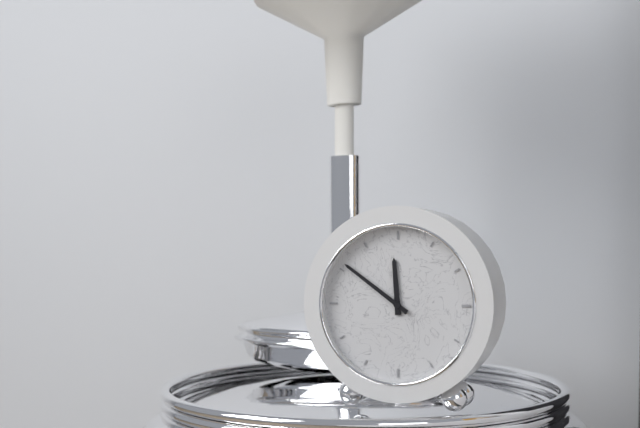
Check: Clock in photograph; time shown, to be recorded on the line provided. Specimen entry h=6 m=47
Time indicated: h=11 m=51
